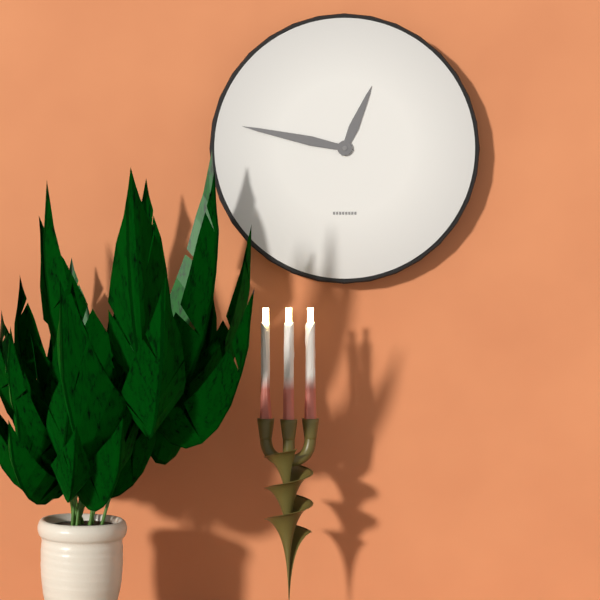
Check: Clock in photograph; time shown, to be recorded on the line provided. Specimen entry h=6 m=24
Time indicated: h=12 m=47
